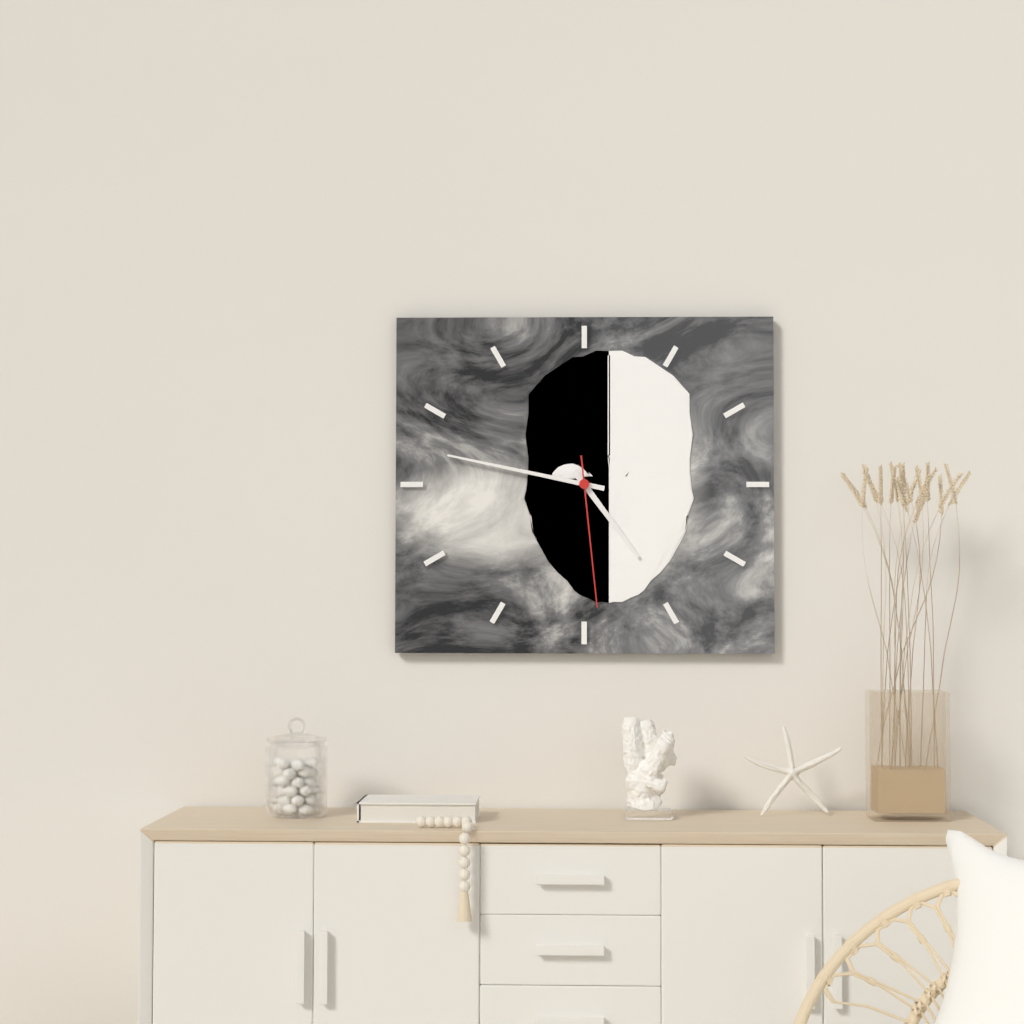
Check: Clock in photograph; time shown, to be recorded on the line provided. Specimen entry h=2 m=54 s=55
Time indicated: h=4 m=47 s=29
